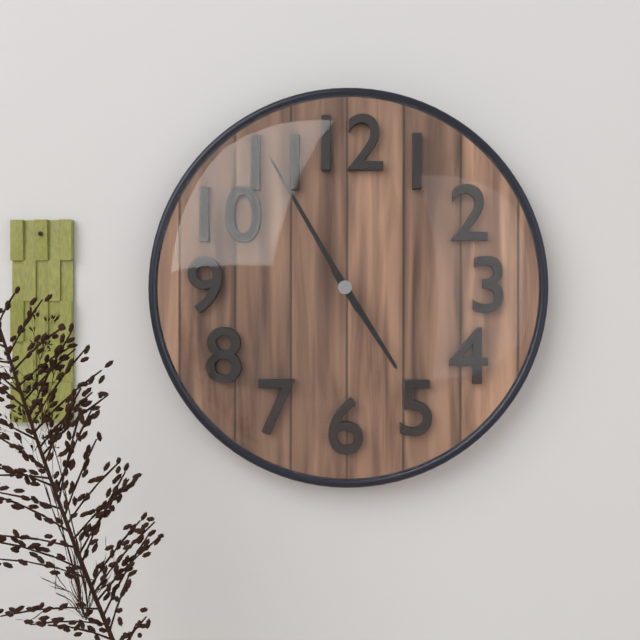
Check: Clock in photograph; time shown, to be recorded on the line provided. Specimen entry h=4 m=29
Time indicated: h=4 m=55
